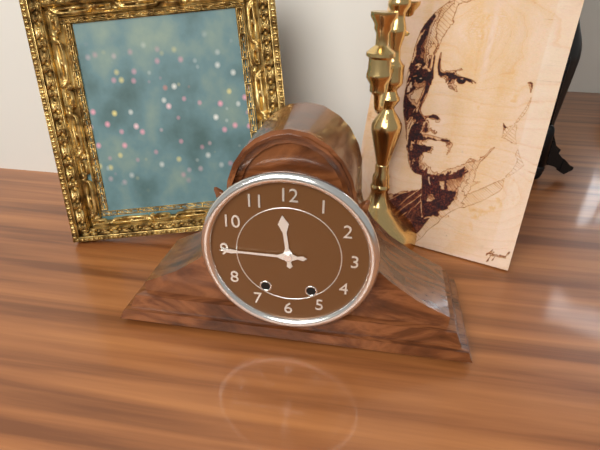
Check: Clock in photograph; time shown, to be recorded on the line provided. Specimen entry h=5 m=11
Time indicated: h=11 m=45
